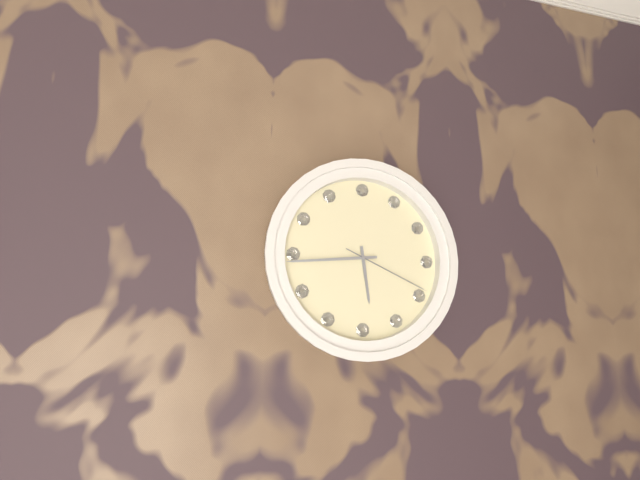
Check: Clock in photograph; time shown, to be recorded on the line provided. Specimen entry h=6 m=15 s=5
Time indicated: h=5 m=44 s=19
